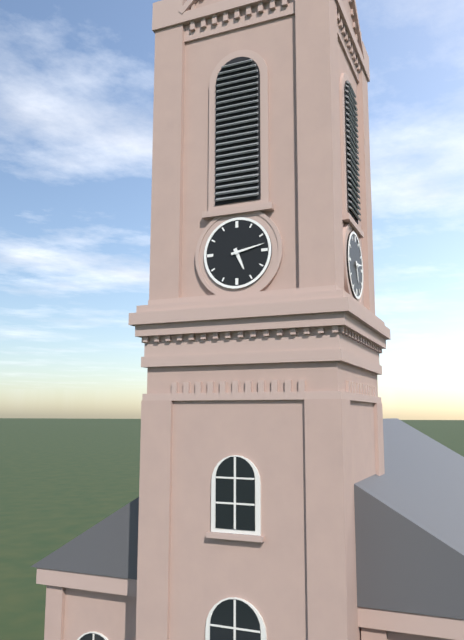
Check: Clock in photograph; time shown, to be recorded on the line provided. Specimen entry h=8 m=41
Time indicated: h=5 m=13
